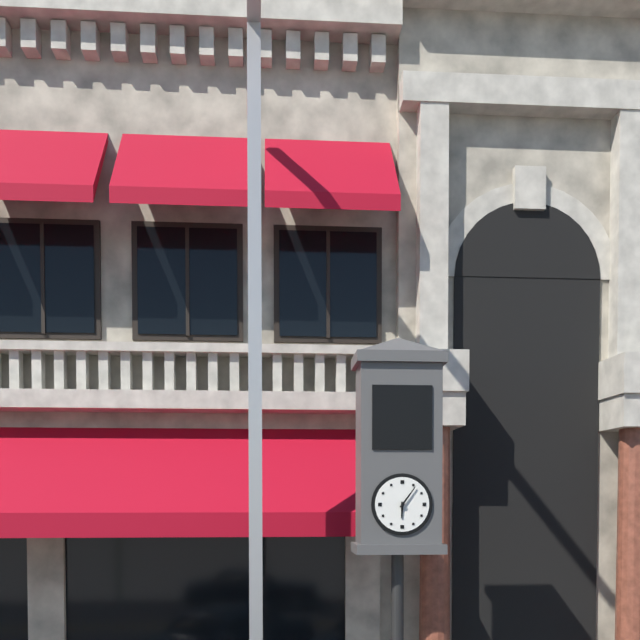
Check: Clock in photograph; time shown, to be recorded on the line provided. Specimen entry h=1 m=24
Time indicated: h=6 m=6
